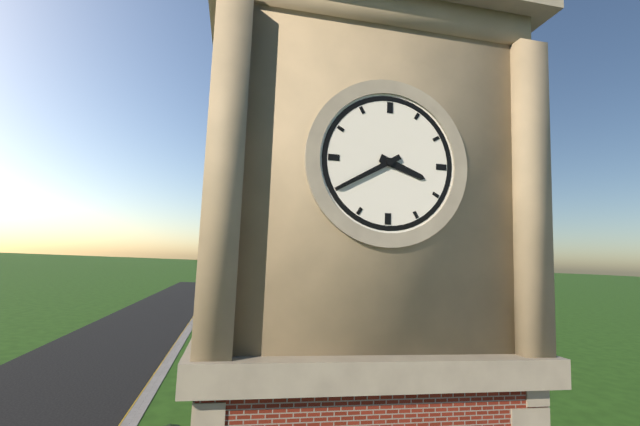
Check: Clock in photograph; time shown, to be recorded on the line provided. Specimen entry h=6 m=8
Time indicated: h=3 m=40
